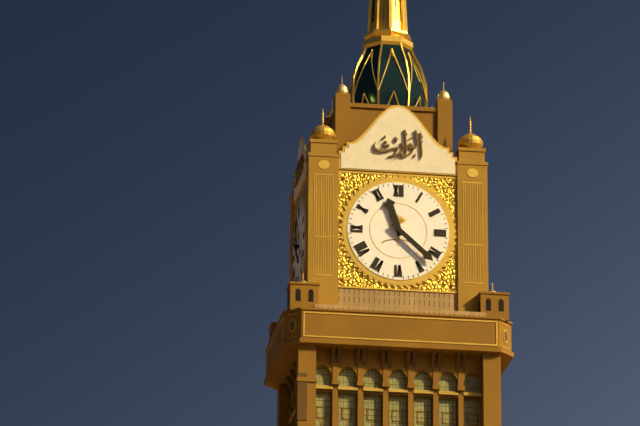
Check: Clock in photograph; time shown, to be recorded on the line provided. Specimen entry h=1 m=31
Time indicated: h=11 m=22
